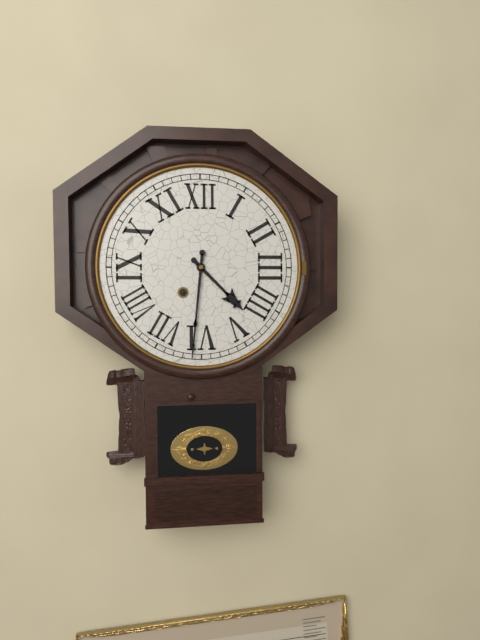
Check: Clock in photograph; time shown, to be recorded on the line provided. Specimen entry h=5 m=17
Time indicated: h=4 m=31
